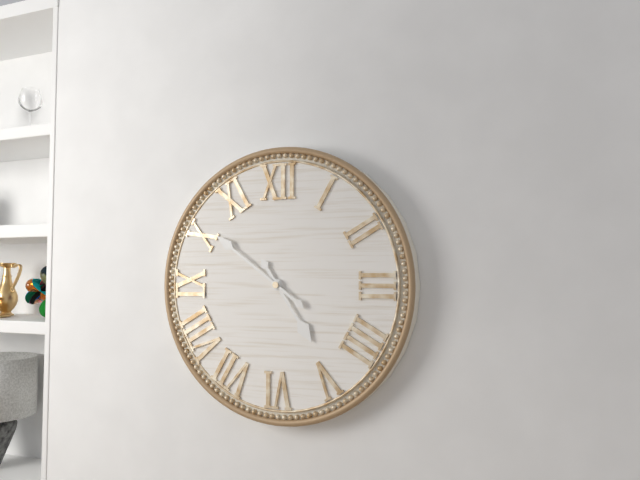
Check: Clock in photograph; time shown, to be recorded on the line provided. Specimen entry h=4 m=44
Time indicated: h=4 m=51
